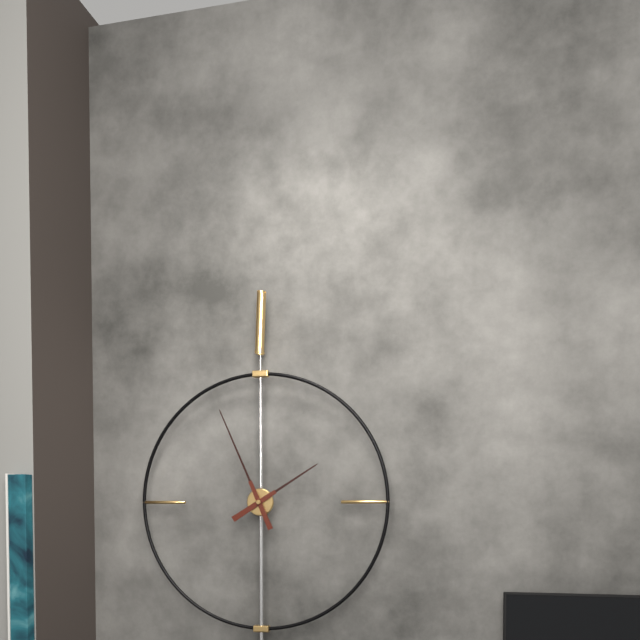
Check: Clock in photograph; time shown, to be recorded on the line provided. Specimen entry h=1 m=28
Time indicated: h=1 m=56
